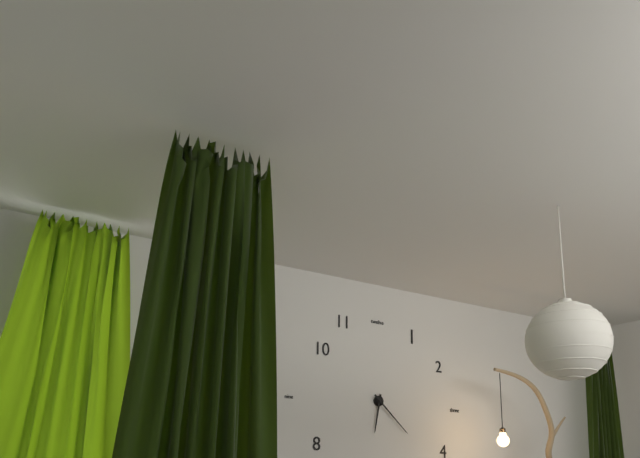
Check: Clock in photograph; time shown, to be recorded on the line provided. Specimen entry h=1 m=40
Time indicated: h=6 m=22
